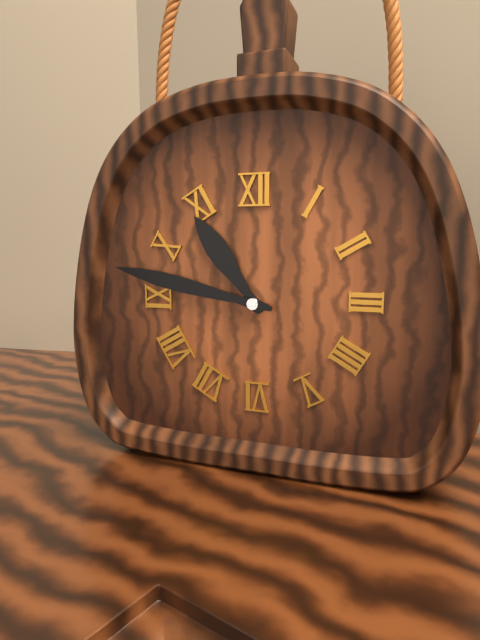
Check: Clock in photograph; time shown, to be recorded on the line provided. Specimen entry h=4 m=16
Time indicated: h=10 m=47
